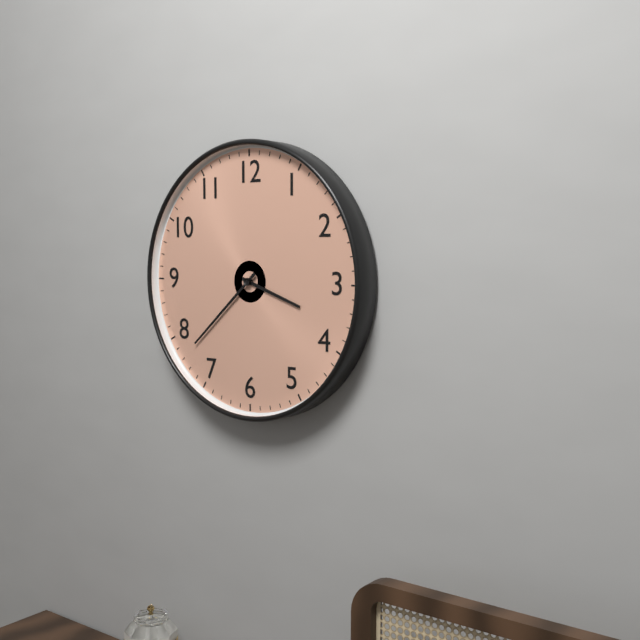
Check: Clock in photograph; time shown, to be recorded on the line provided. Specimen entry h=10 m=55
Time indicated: h=3 m=38
